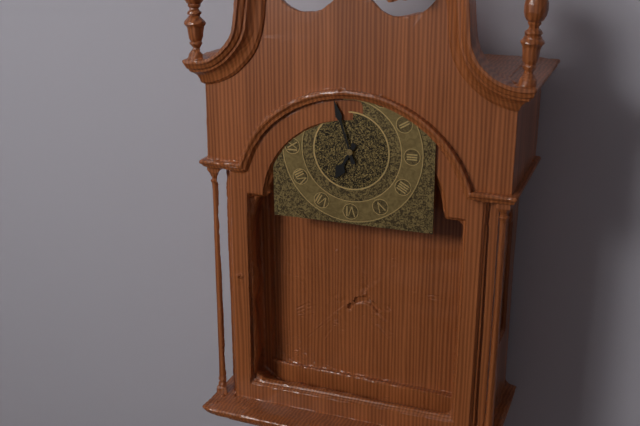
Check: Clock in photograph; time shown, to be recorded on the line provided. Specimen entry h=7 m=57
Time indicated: h=6 m=57
